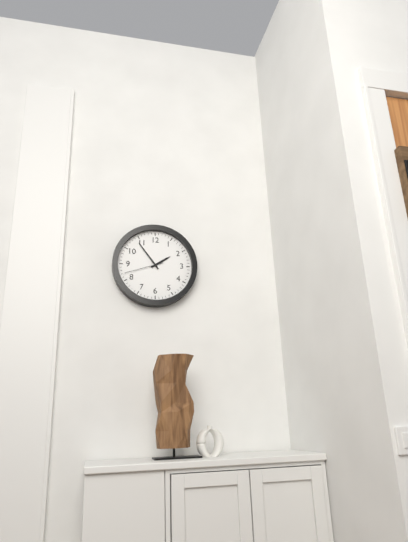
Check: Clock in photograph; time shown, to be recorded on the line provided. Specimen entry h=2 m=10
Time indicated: h=1 m=54
